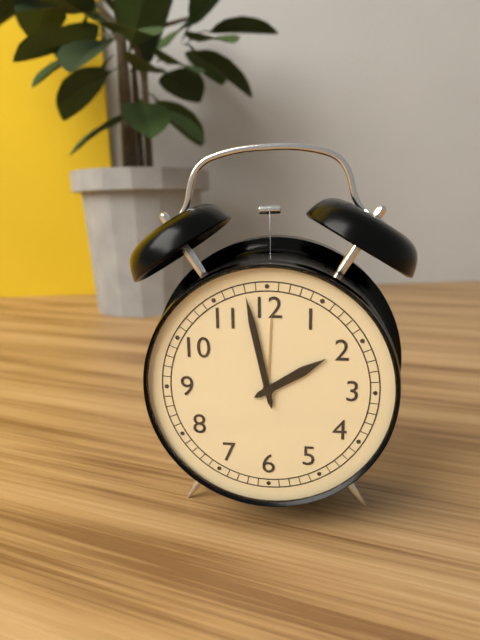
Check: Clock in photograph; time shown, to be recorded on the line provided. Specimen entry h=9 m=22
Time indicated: h=1 m=58
